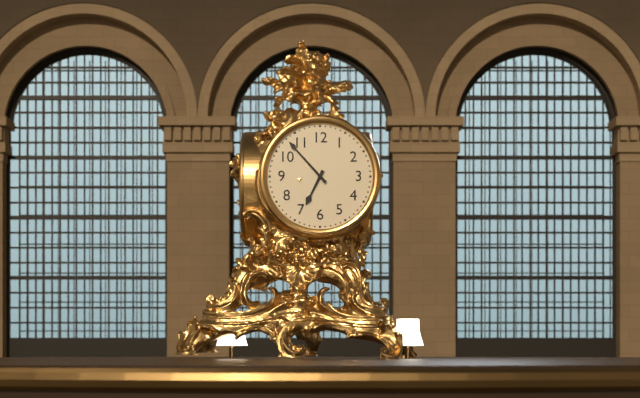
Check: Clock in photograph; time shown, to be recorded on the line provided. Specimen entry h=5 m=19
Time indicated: h=6 m=53
